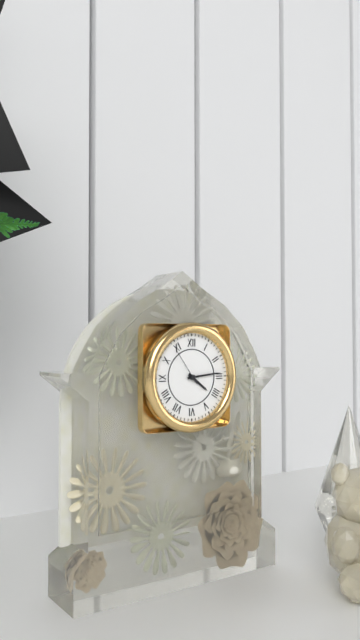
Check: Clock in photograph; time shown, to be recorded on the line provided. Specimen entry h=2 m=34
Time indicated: h=4 m=14
